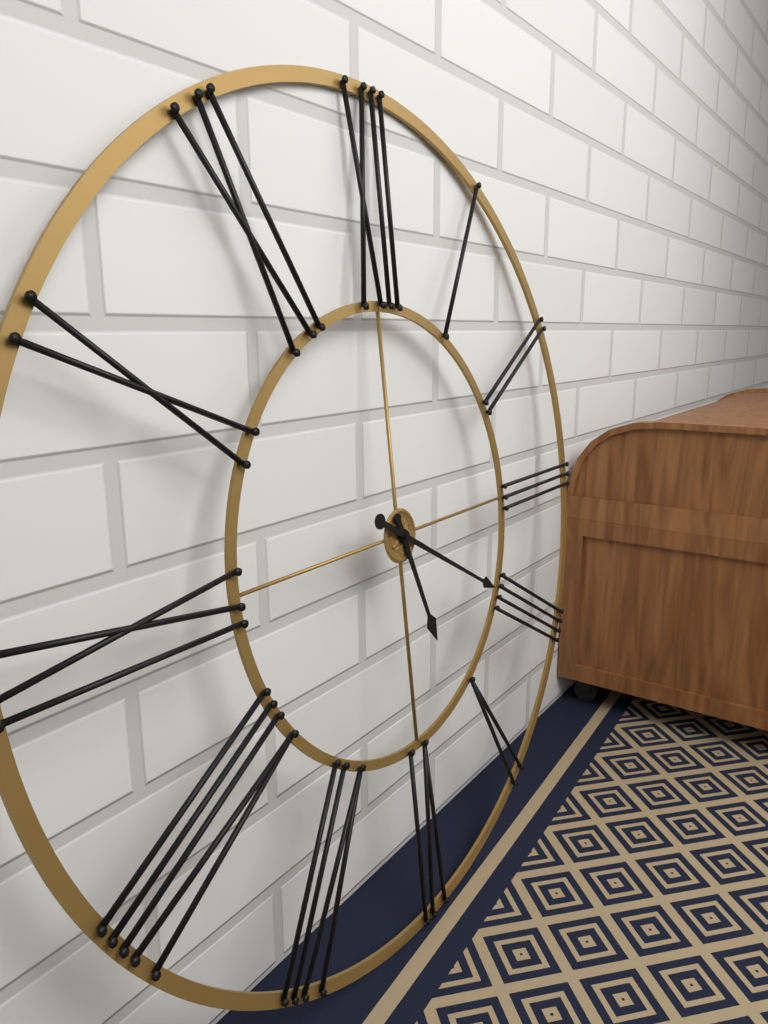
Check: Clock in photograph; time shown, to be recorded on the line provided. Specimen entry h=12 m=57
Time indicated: h=5 m=20
